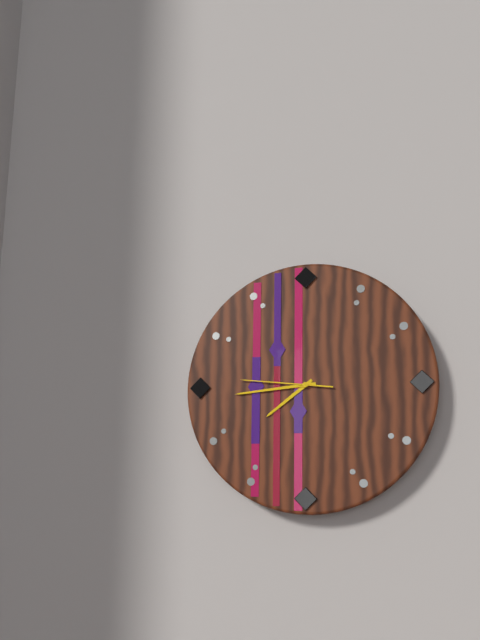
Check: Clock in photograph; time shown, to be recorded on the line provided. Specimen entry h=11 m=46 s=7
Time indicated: h=7 m=44 s=46
